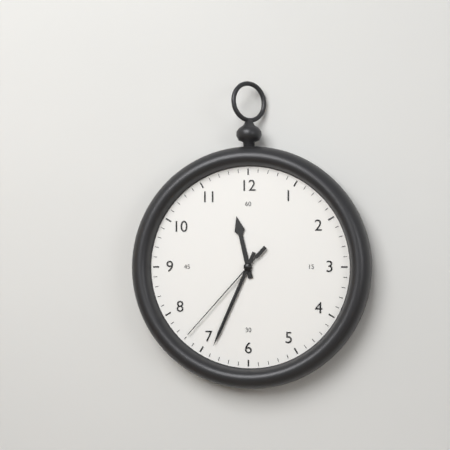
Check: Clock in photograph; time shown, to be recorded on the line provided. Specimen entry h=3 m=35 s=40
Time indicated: h=11 m=34 s=37
